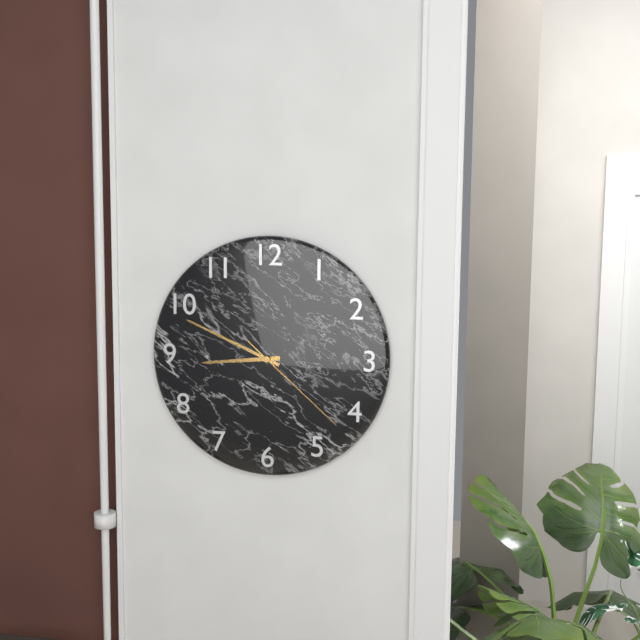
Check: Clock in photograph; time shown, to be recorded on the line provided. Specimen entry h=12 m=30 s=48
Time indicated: h=8 m=49 s=22
